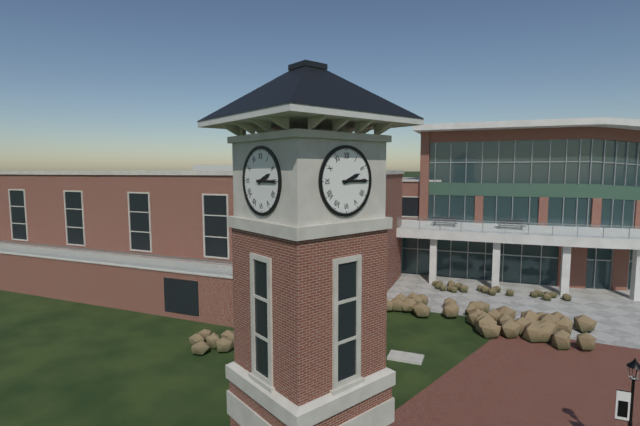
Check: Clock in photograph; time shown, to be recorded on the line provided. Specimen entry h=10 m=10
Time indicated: h=2 m=15
